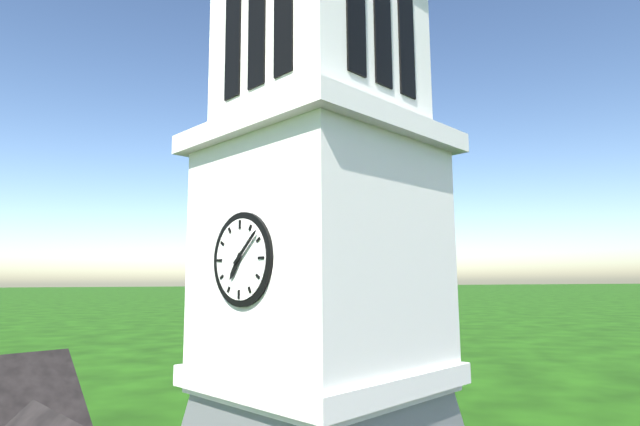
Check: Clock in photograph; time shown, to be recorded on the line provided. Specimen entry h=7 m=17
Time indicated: h=7 m=8
